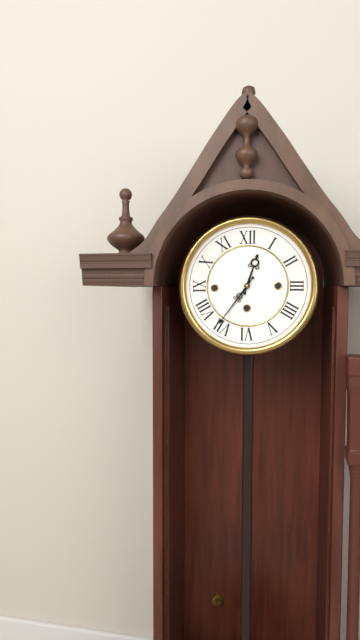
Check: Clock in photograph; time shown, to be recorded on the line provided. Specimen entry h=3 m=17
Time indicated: h=12 m=36
